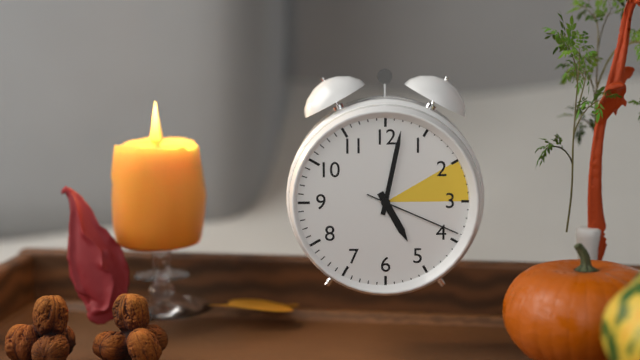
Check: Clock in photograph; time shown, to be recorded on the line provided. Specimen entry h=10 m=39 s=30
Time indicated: h=5 m=2 s=19
